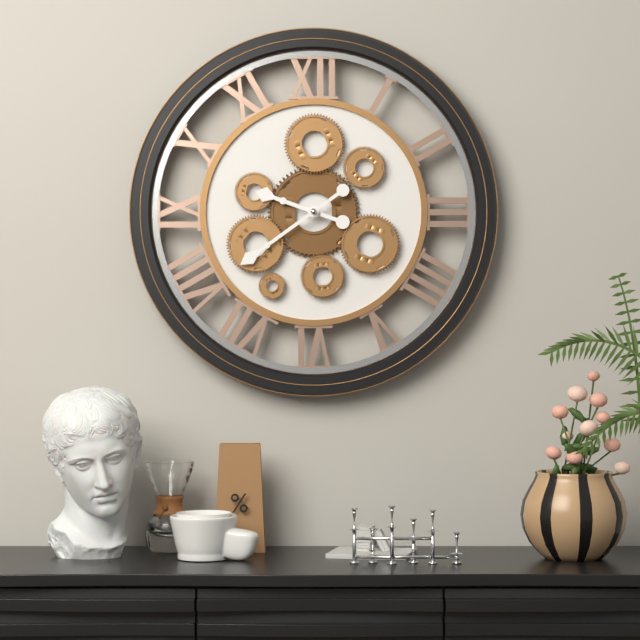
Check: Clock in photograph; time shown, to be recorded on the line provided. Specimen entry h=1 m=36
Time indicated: h=9 m=39
